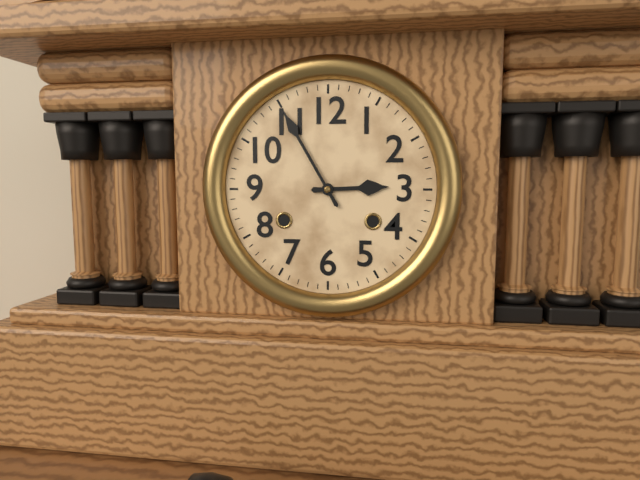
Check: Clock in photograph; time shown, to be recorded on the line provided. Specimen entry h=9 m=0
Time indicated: h=2 m=55
